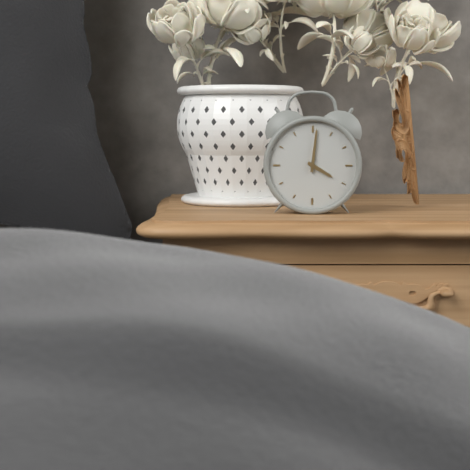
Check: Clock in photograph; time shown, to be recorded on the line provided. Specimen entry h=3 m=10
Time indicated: h=4 m=1
